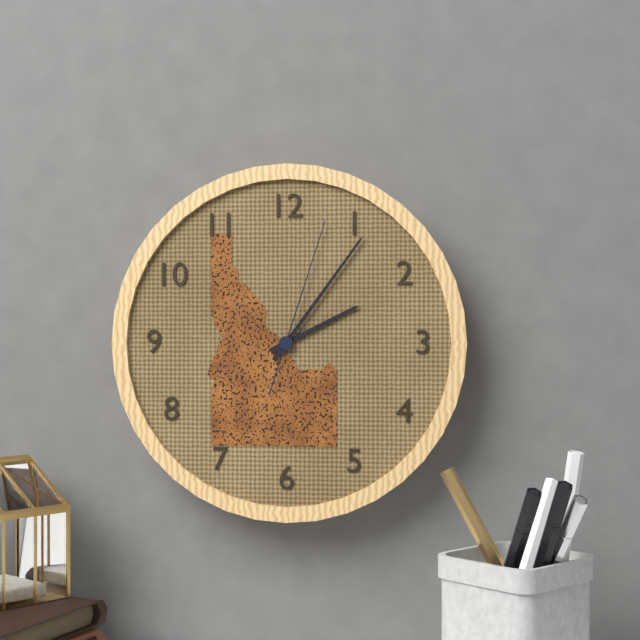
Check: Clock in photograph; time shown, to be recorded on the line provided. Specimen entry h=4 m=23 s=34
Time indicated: h=2 m=6 s=3
